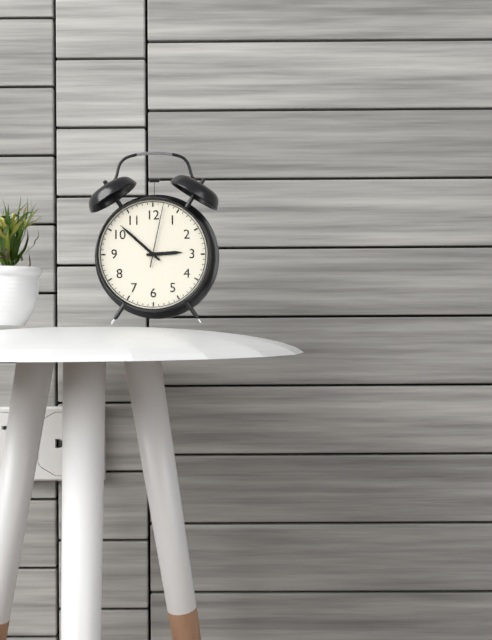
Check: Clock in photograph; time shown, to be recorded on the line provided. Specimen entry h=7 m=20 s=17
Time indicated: h=2 m=52 s=2
